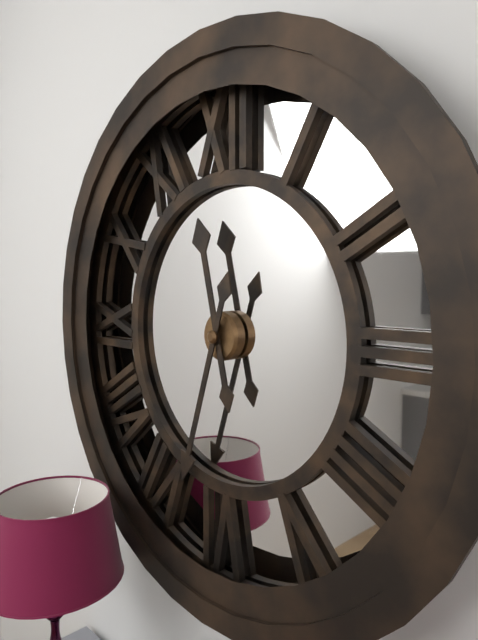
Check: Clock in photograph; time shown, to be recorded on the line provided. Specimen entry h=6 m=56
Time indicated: h=11 m=33
